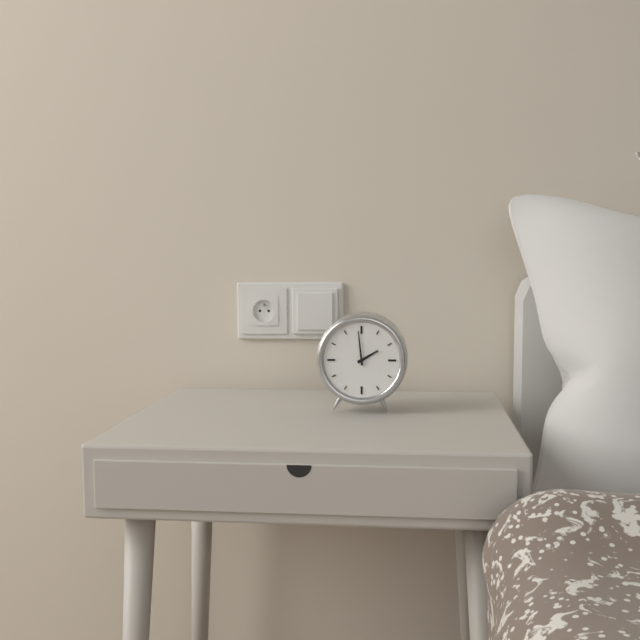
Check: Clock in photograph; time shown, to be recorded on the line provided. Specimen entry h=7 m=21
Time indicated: h=1 m=59
